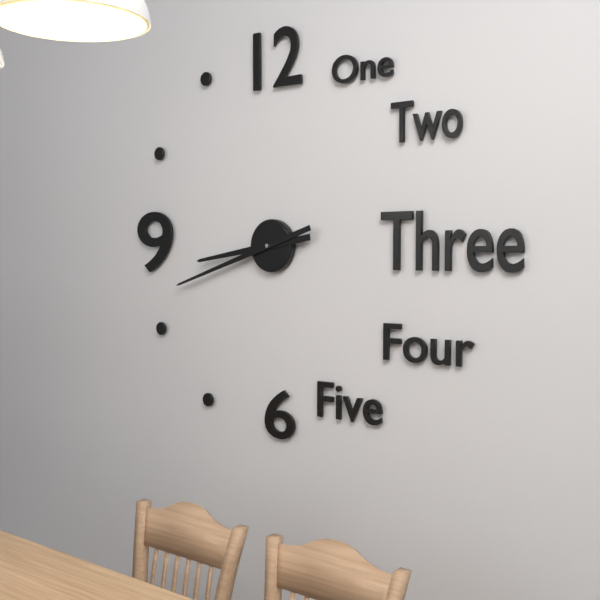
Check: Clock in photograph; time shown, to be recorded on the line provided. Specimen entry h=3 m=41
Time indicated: h=8 m=42
